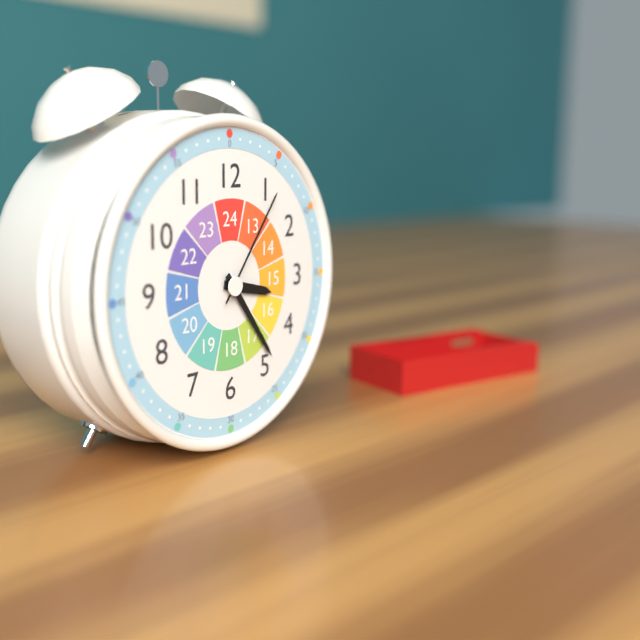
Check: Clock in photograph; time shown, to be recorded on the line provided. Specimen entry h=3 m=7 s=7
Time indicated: h=3 m=24 s=6
